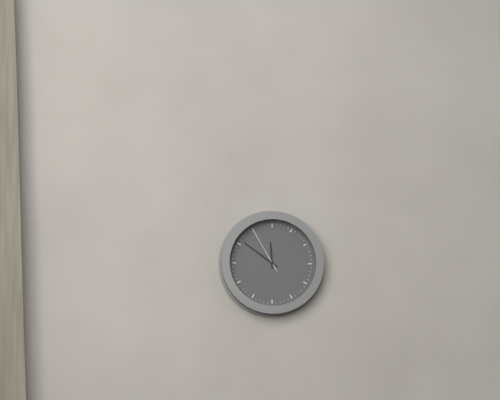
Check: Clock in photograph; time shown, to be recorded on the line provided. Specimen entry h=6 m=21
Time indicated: h=11 m=51
